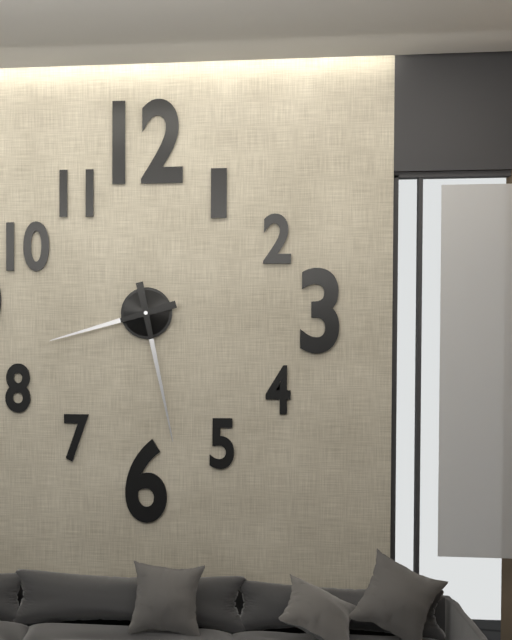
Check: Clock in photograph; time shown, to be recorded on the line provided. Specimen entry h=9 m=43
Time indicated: h=8 m=28
